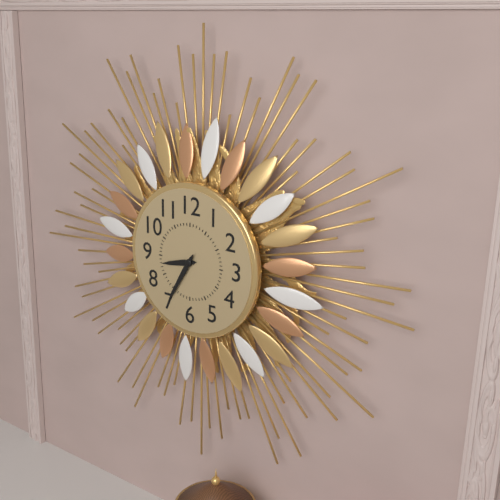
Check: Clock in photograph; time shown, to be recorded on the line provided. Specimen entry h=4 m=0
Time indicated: h=8 m=35
